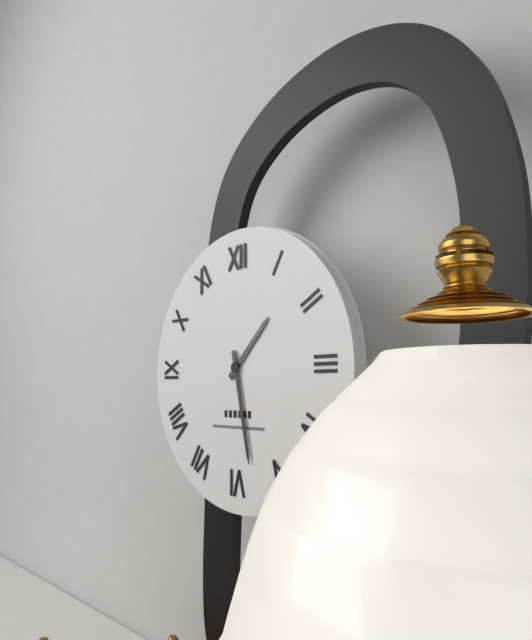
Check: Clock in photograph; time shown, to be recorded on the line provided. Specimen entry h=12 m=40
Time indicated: h=1 m=28
